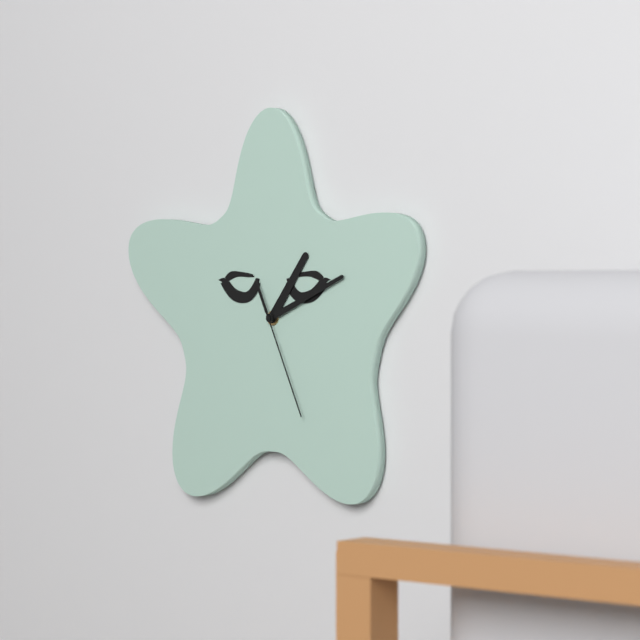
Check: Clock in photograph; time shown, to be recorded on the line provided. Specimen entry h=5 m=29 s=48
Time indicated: h=1 m=11 s=26
